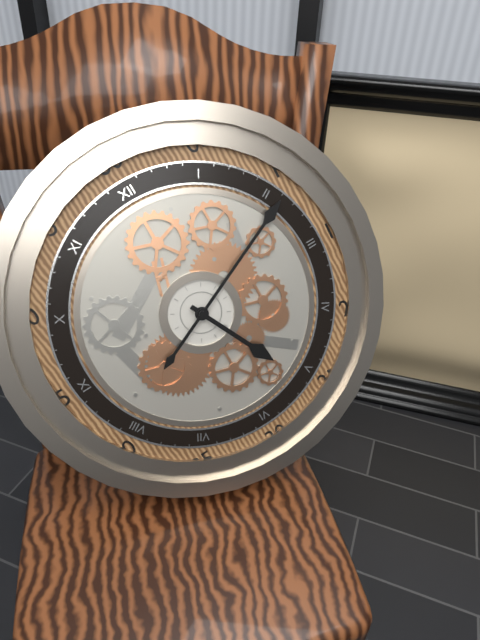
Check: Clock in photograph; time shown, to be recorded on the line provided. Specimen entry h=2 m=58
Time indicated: h=5 m=11
